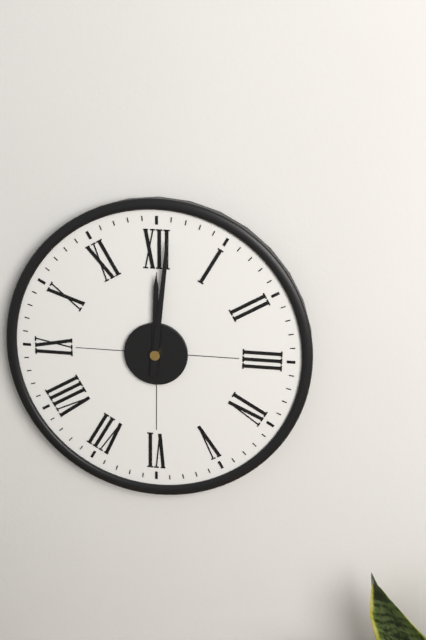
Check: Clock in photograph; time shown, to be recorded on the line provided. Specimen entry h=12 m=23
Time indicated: h=12 m=1
